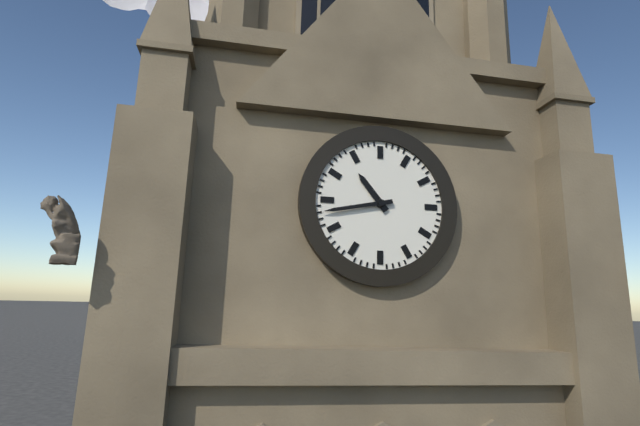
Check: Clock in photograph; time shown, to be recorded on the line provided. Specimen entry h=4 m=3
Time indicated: h=10 m=43
